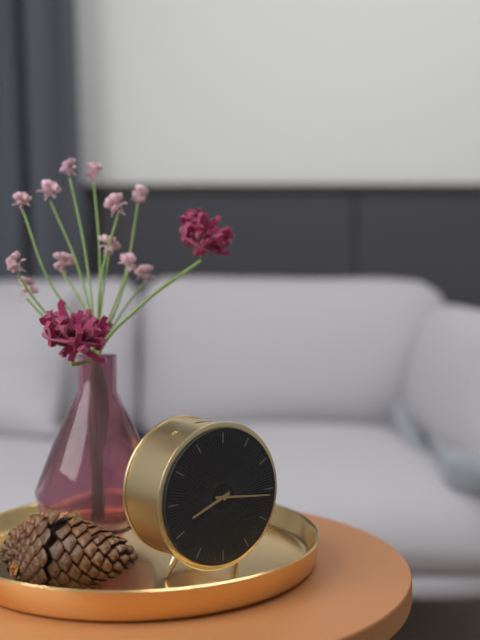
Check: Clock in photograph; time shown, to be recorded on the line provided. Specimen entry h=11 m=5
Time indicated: h=8 m=16
